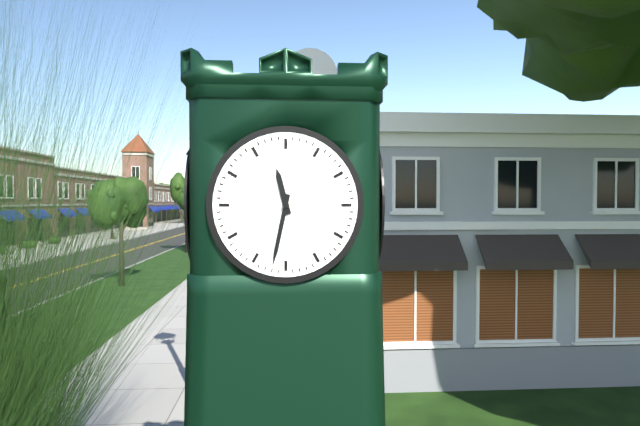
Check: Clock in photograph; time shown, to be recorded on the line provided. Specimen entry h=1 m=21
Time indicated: h=11 m=32
